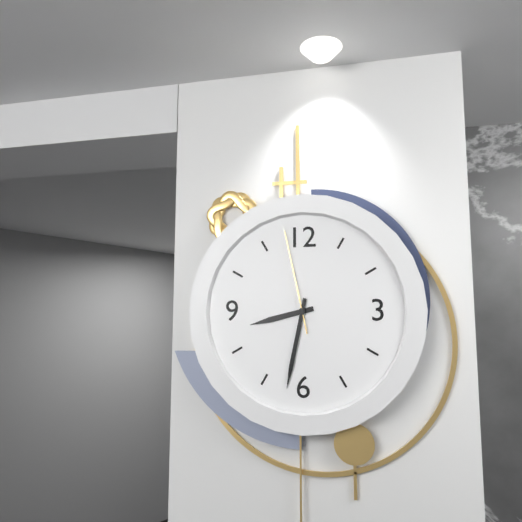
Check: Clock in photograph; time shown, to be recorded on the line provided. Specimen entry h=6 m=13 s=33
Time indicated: h=8 m=32 s=58
